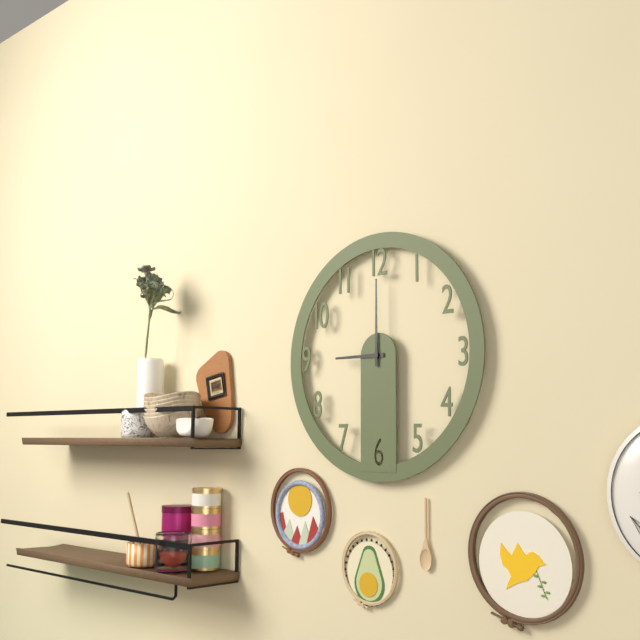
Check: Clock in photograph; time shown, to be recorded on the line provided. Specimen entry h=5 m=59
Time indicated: h=9 m=0
